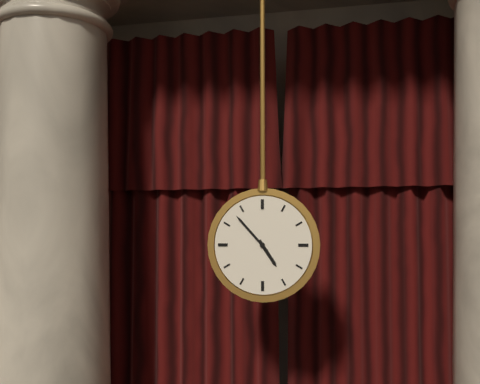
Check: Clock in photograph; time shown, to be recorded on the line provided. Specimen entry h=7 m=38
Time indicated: h=4 m=53
